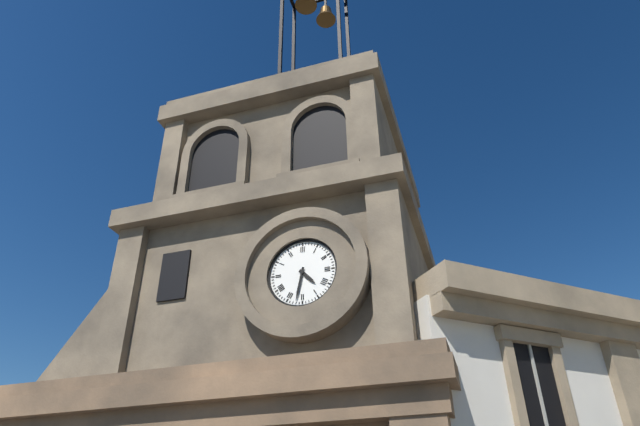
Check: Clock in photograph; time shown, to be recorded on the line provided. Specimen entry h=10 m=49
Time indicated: h=4 m=32
